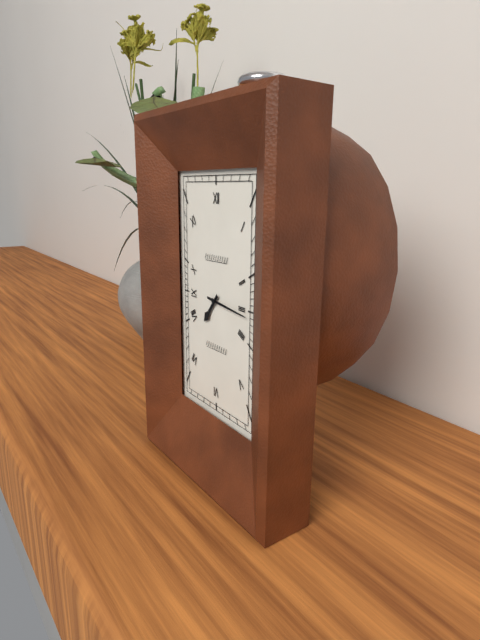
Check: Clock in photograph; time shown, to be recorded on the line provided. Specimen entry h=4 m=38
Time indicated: h=7 m=16
